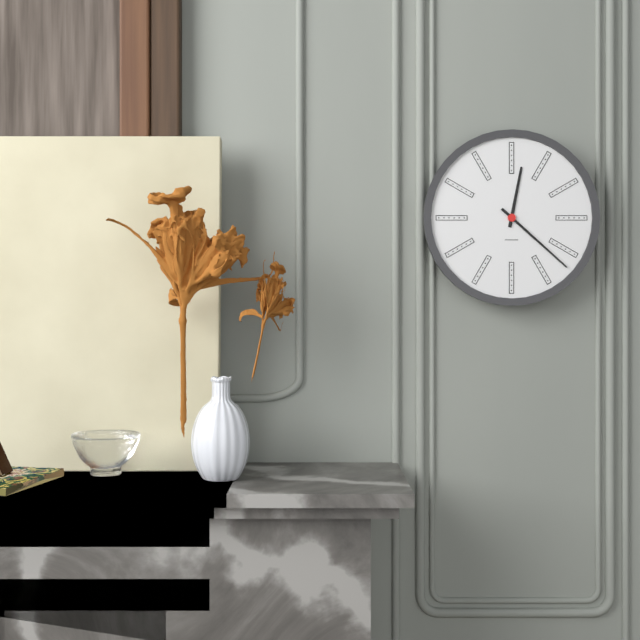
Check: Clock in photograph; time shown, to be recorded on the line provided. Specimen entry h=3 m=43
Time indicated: h=12 m=22
